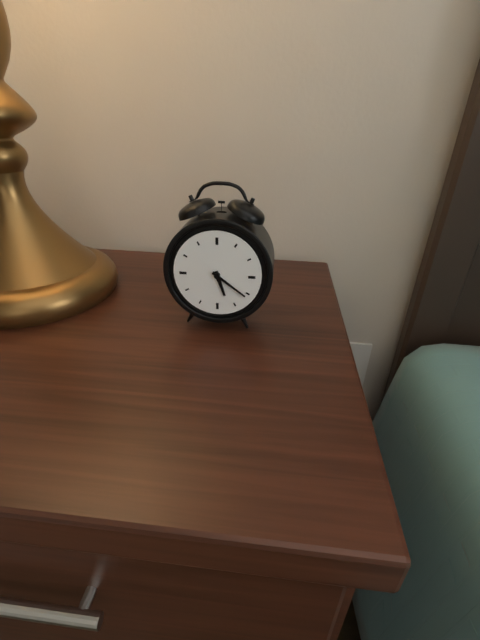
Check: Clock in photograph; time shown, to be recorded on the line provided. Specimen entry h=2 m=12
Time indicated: h=5 m=21
